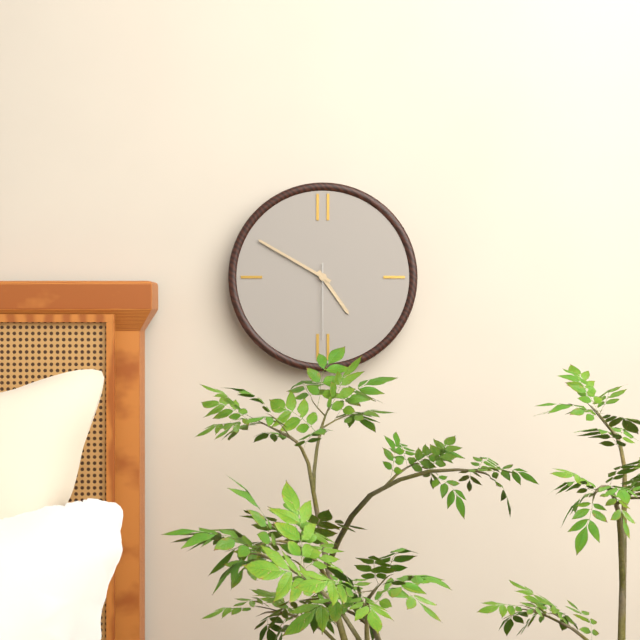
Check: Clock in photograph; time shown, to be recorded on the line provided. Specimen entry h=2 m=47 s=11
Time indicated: h=4 m=50 s=30
